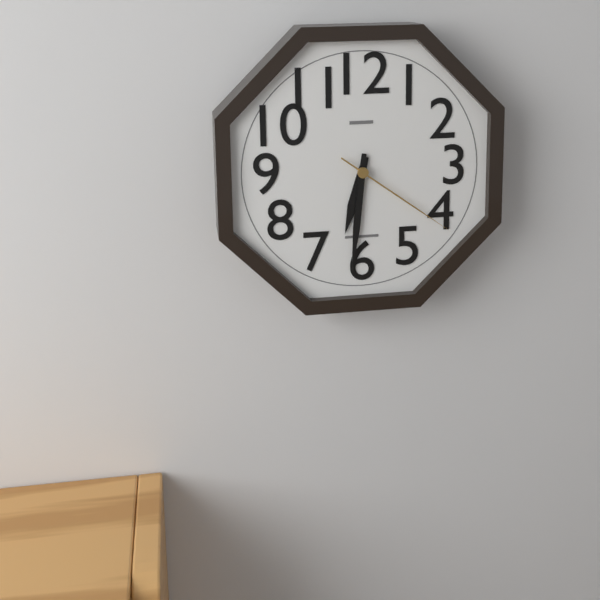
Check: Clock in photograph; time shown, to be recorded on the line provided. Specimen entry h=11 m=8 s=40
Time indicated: h=6 m=31 s=21
